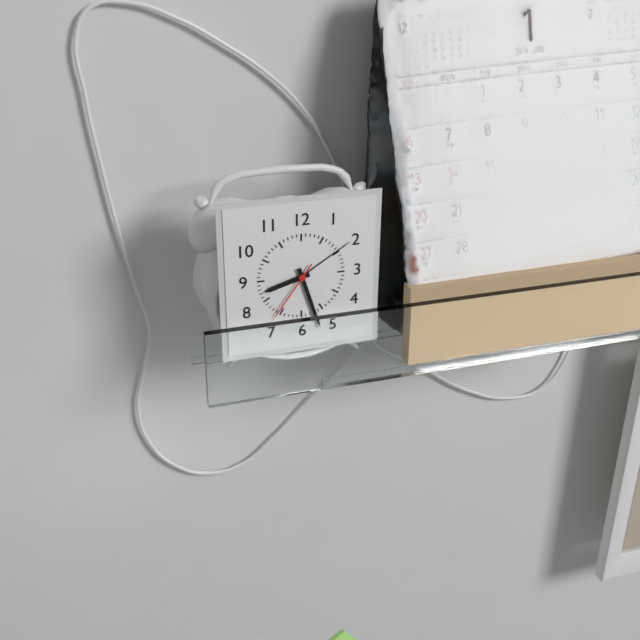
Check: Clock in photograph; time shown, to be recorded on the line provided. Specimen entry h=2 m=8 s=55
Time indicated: h=8 m=27 s=36
